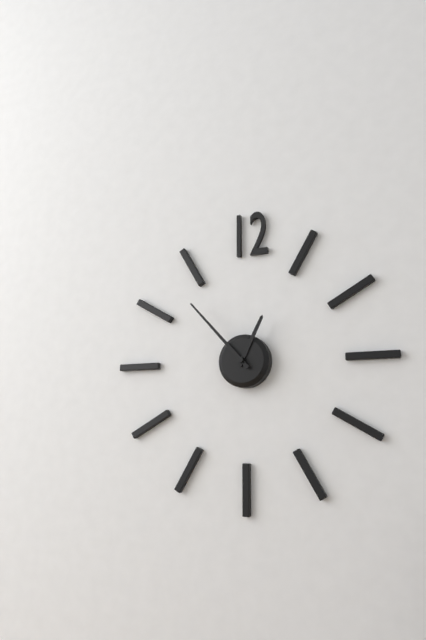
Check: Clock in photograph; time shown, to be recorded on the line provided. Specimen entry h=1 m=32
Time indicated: h=12 m=53
